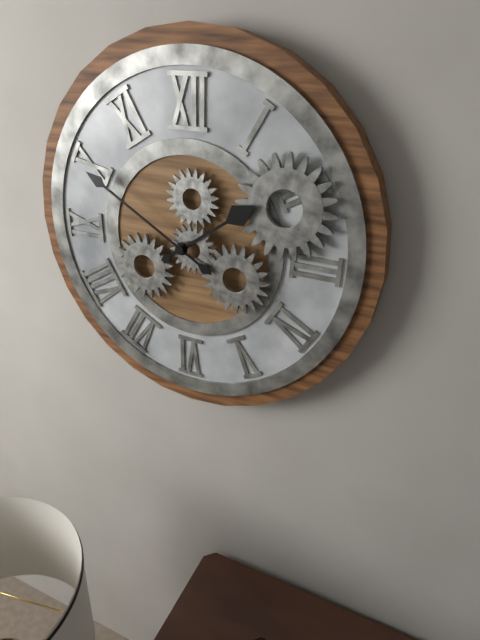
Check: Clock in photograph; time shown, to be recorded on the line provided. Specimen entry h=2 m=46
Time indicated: h=1 m=50
